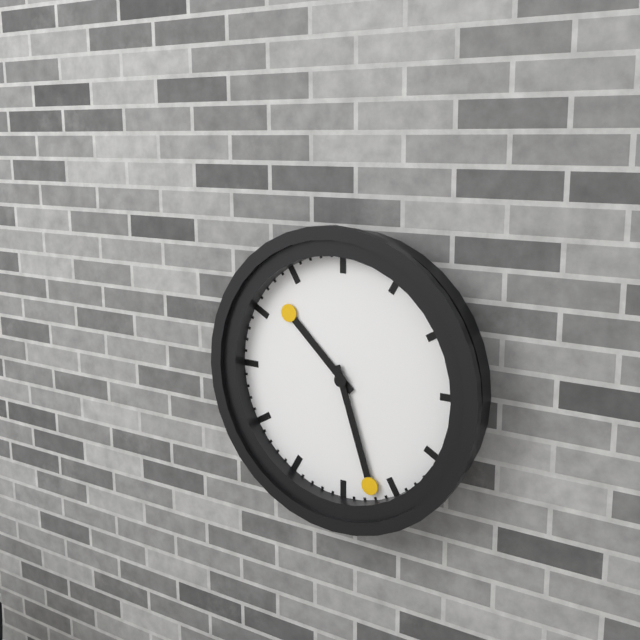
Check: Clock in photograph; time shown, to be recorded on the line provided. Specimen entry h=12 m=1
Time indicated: h=10 m=27
